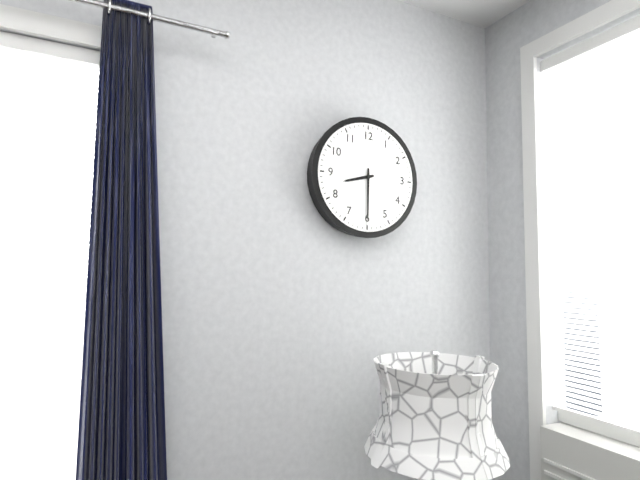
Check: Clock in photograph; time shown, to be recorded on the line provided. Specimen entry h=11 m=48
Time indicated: h=8 m=30
